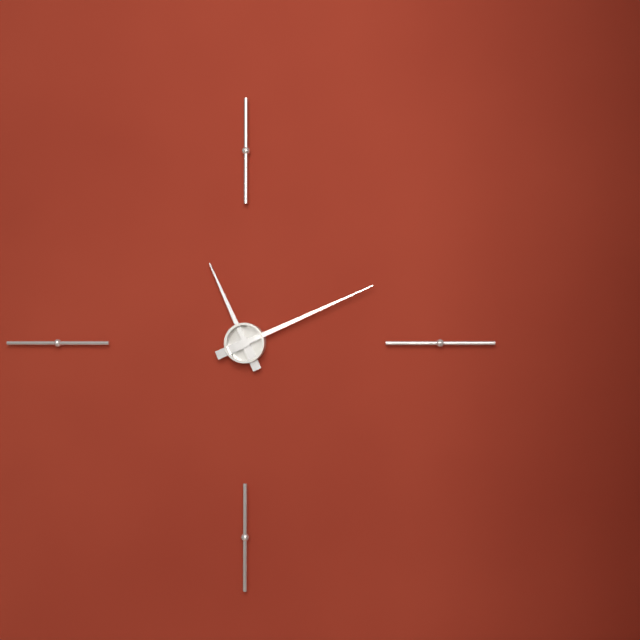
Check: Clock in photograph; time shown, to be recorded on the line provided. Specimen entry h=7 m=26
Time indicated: h=11 m=11
